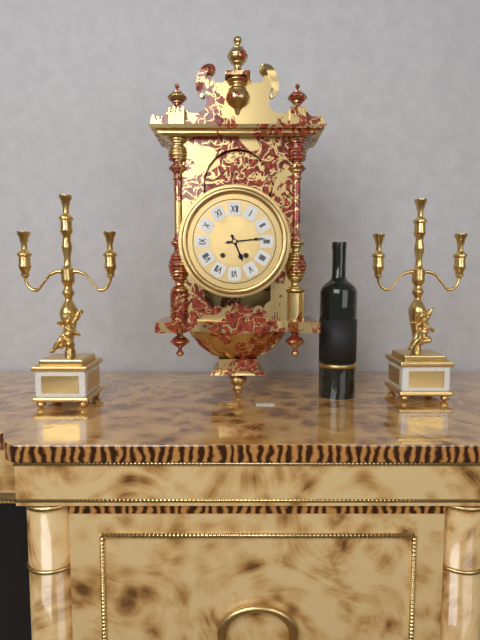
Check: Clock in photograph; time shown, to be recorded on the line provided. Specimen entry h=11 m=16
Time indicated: h=5 m=14
